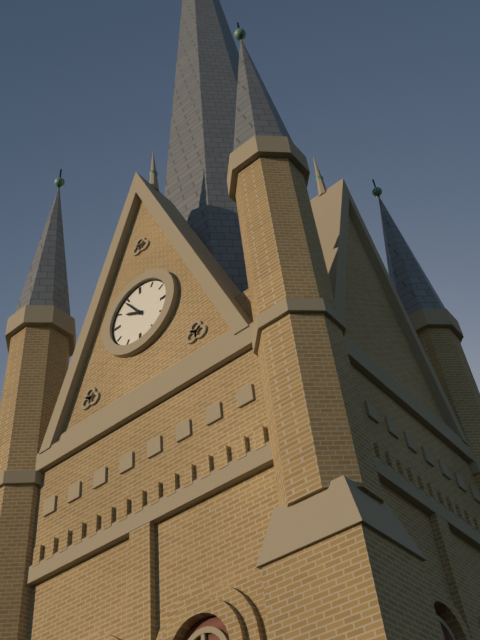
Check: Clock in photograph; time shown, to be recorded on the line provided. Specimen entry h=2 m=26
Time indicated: h=9 m=54
